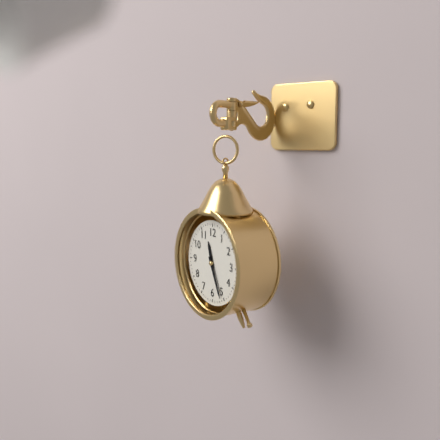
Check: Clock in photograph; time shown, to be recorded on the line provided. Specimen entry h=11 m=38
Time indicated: h=11 m=26
